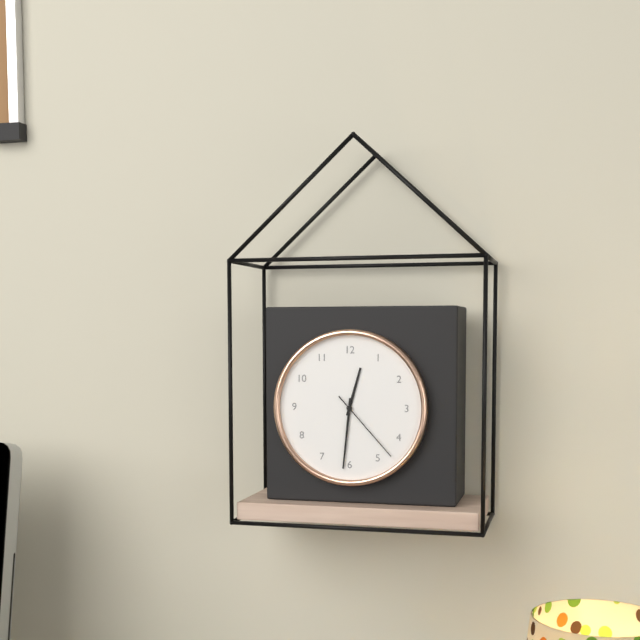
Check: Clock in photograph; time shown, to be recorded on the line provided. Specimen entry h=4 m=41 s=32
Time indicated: h=12 m=31 s=23
